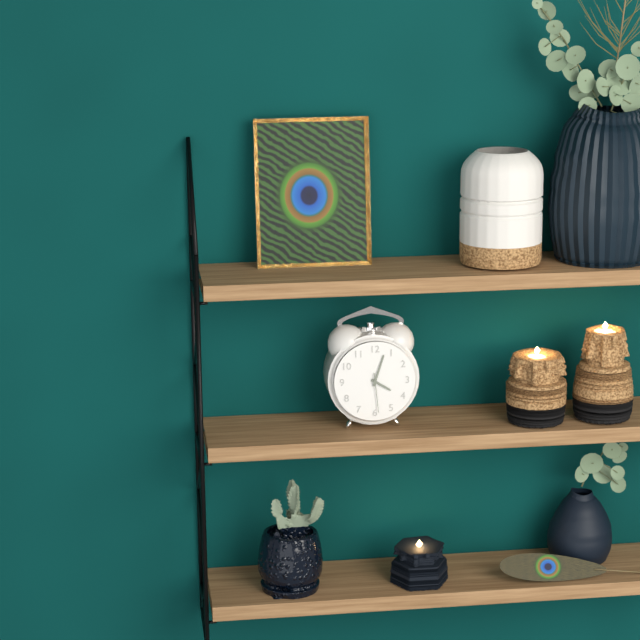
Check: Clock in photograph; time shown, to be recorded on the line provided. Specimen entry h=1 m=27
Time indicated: h=4 m=3
